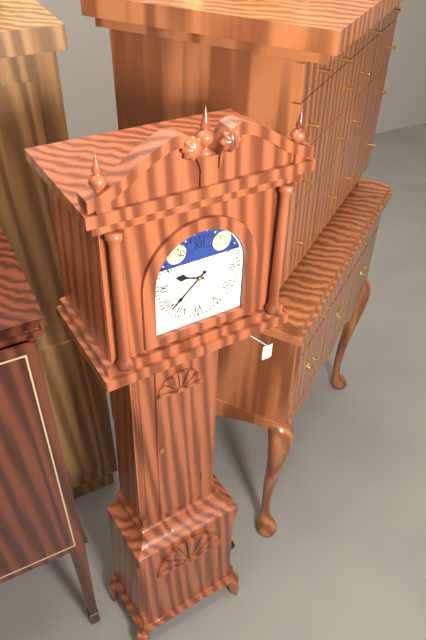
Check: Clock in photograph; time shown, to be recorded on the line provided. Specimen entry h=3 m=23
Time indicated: h=9 m=38
